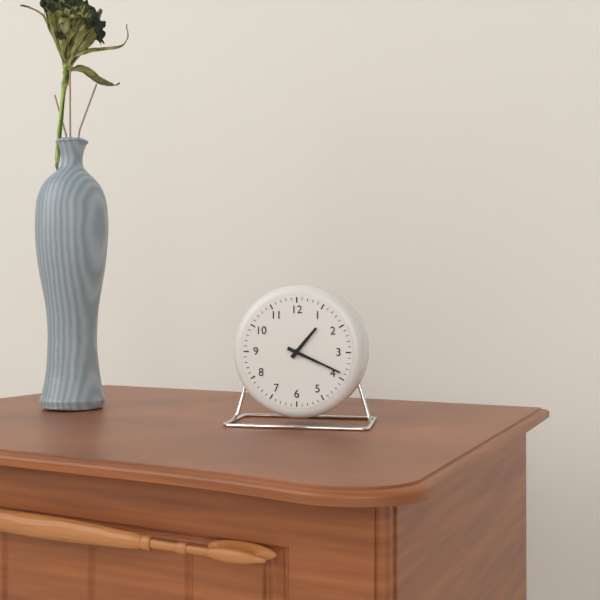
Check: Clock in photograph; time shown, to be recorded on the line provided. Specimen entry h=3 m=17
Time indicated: h=1 m=19
